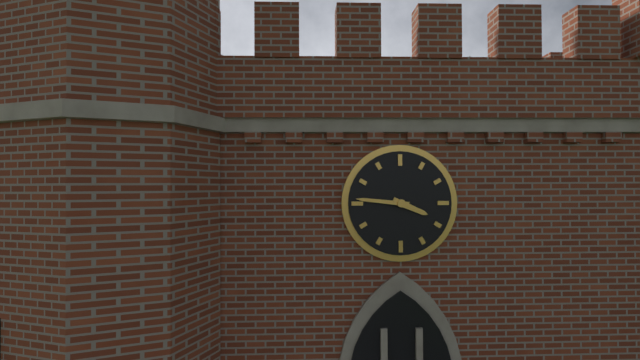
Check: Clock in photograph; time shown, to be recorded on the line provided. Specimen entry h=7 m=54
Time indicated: h=3 m=46
